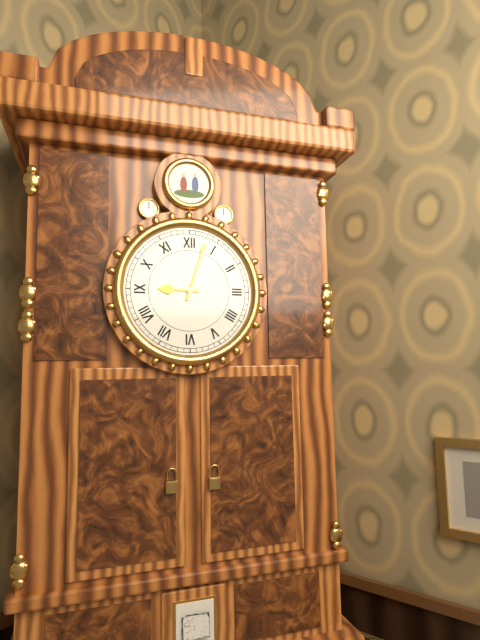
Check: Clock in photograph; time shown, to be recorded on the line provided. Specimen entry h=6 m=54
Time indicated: h=9 m=3
